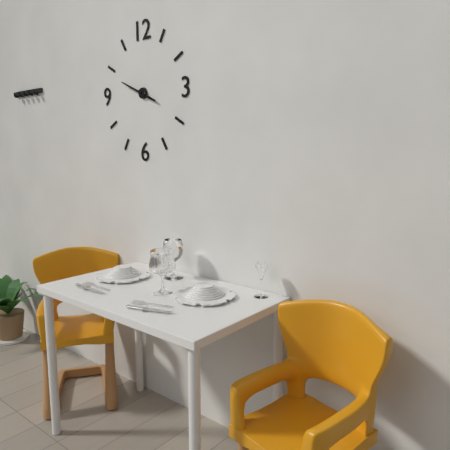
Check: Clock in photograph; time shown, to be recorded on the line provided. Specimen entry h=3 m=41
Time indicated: h=3 m=49
